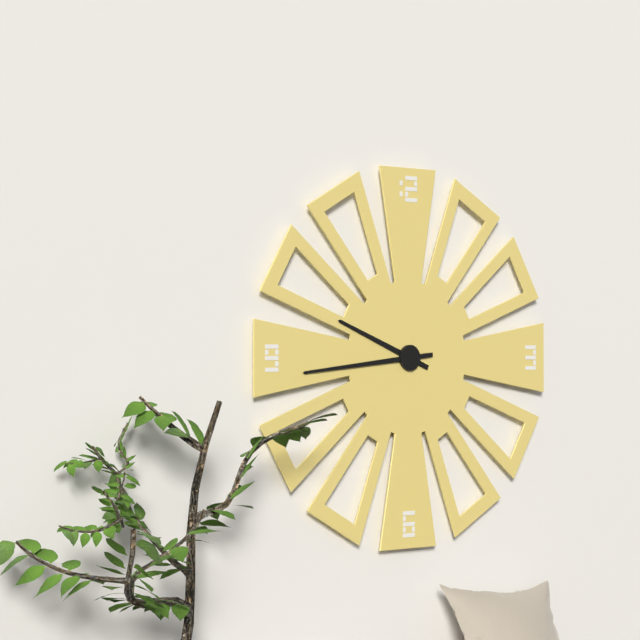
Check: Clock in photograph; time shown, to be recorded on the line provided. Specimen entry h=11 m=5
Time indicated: h=9 m=44
